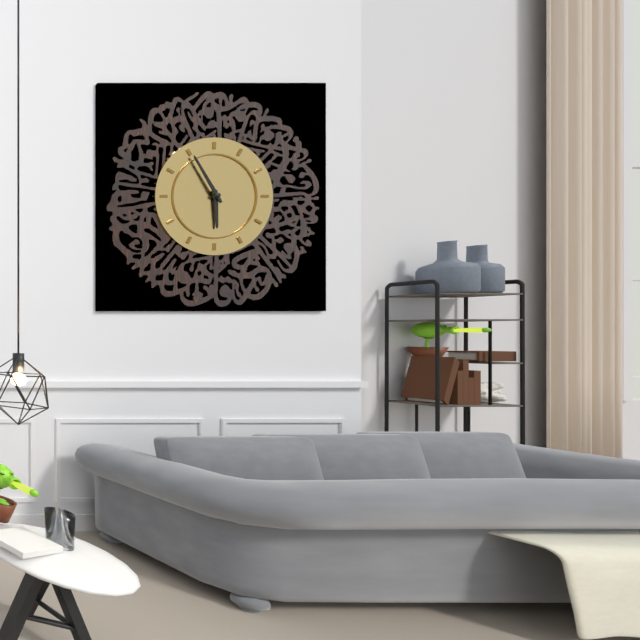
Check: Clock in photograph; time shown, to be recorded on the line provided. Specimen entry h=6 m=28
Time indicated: h=5 m=55
